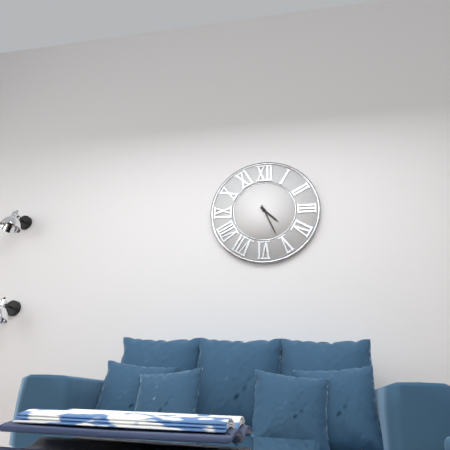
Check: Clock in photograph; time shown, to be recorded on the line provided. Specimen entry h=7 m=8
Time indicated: h=4 m=26
